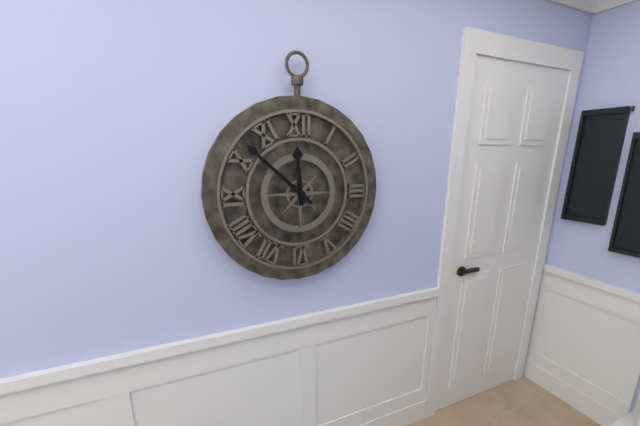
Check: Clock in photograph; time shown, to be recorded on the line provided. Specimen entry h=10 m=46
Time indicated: h=11 m=52
